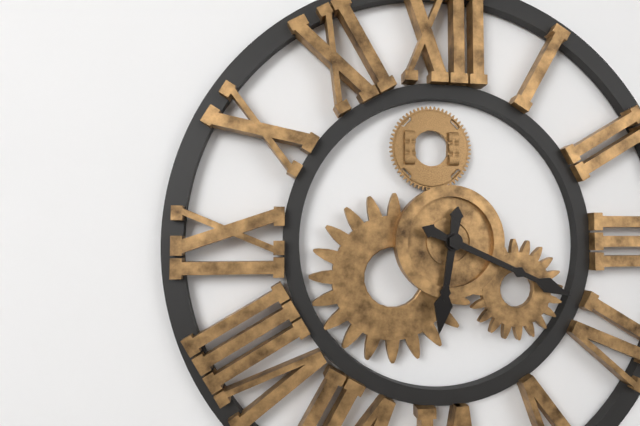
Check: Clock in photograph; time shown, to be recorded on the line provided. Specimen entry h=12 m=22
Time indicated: h=6 m=19
